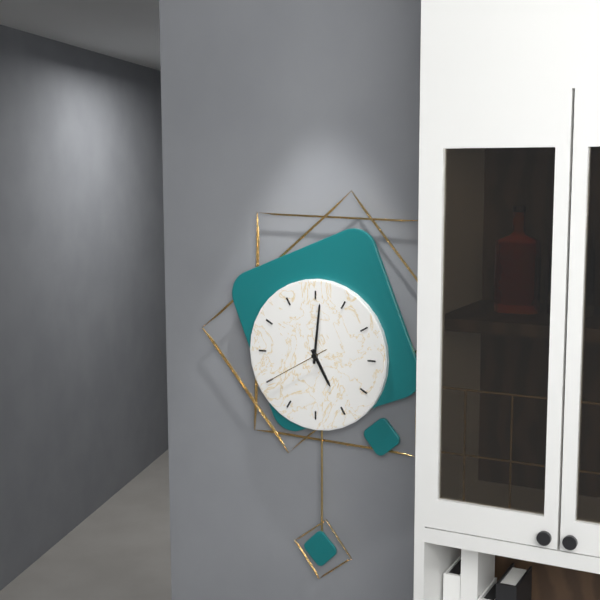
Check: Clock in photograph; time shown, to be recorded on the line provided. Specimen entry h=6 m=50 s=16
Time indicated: h=5 m=1 s=40
